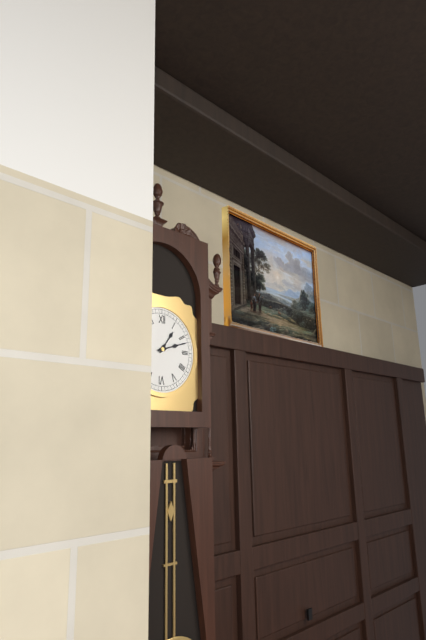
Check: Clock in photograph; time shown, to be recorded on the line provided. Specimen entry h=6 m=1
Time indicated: h=1 m=12
